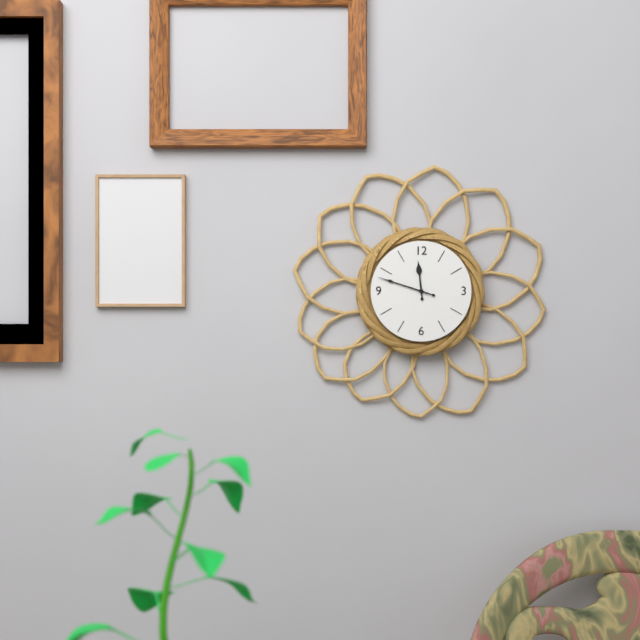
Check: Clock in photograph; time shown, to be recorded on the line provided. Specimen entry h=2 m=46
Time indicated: h=11 m=48
